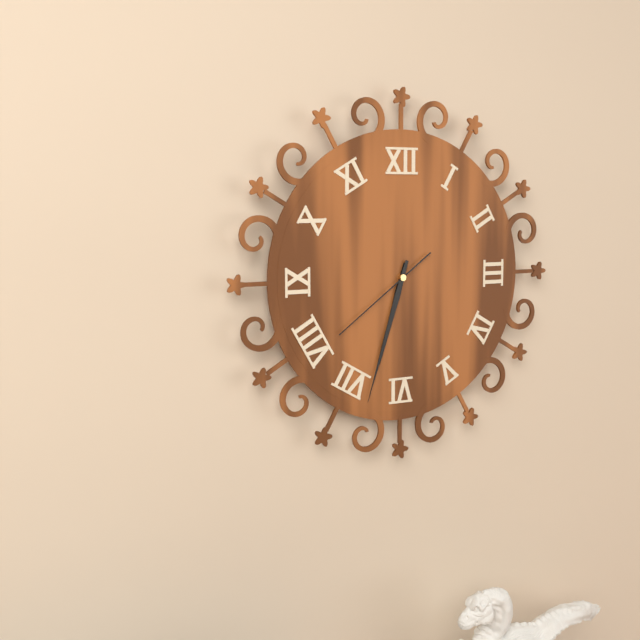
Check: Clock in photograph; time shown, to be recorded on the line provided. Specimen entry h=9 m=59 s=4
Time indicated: h=6 m=33 s=39
